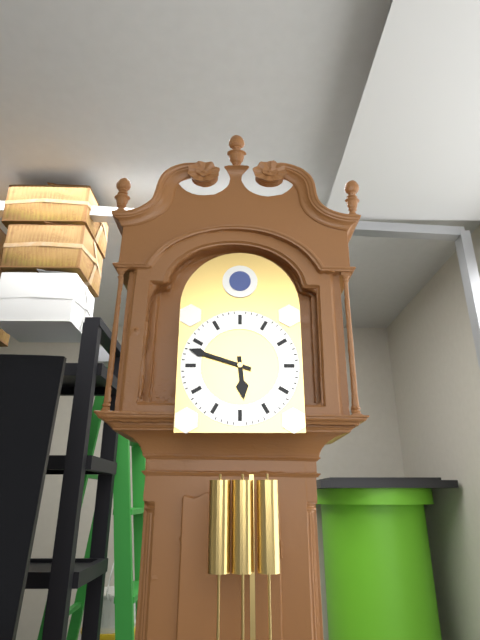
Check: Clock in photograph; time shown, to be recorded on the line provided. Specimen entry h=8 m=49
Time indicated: h=5 m=48
